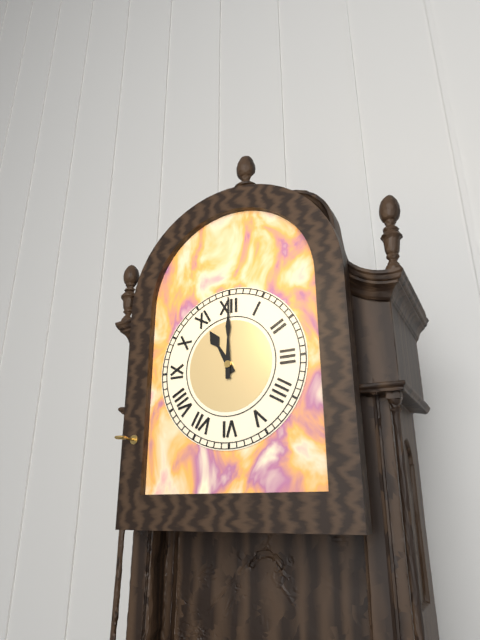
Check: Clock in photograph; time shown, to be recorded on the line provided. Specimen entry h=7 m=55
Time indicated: h=11 m=0
